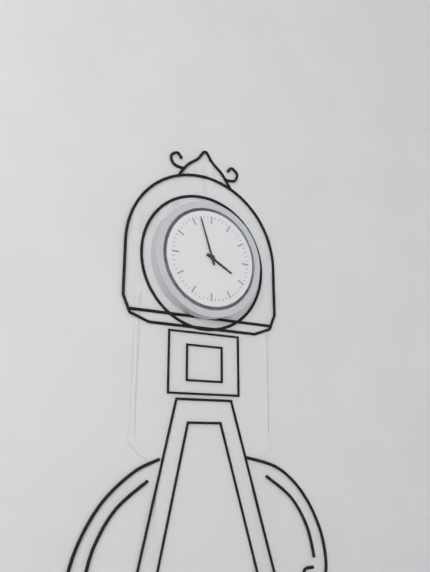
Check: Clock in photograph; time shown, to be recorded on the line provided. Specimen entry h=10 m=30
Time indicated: h=3 m=57
